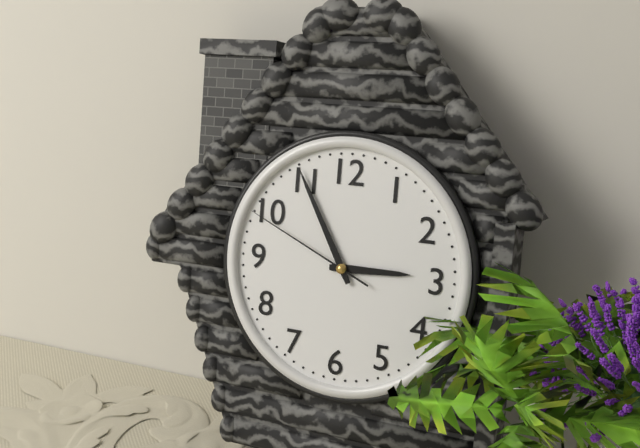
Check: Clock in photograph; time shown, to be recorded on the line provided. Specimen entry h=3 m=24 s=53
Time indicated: h=2 m=55 s=49
